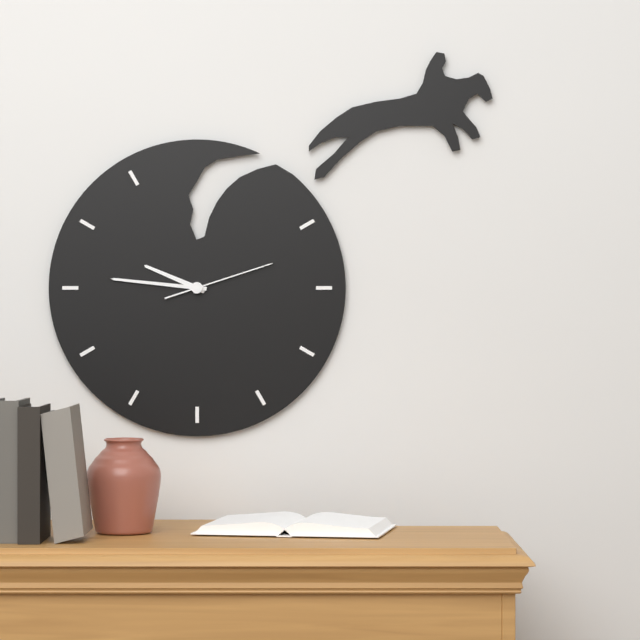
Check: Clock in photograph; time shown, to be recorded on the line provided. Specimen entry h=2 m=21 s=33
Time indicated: h=9 m=46 s=12
